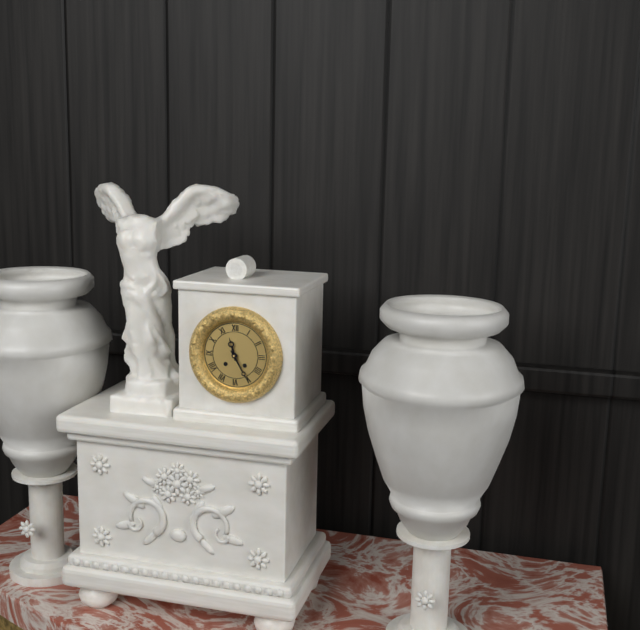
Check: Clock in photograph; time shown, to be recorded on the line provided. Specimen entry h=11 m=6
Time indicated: h=11 m=25
